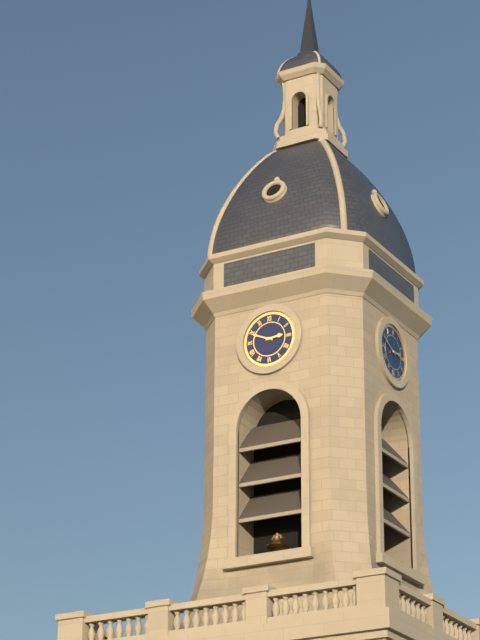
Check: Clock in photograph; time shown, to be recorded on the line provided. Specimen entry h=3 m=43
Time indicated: h=2 m=49
